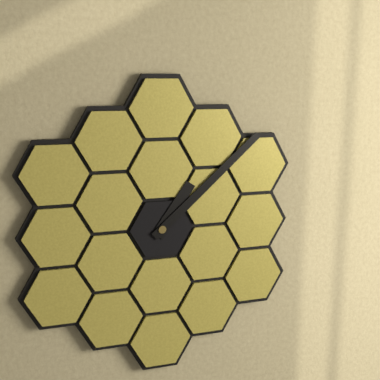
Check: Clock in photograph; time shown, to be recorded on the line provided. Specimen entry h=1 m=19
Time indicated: h=1 m=8
